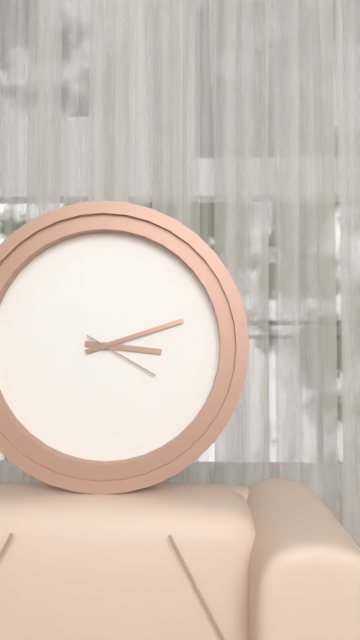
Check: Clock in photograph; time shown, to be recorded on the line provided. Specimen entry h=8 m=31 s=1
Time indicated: h=3 m=12 s=20
